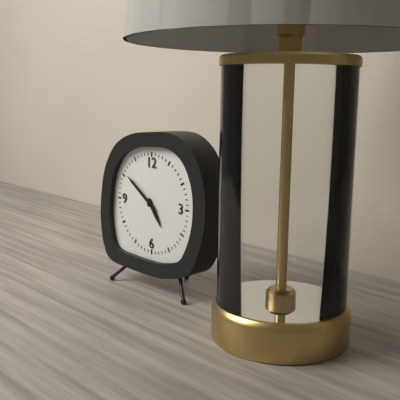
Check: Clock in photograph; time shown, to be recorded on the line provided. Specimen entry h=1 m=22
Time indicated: h=4 m=51
